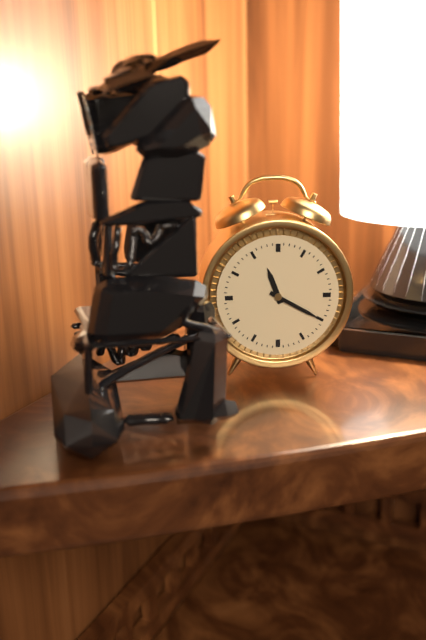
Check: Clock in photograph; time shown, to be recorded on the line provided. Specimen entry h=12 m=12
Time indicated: h=11 m=20
